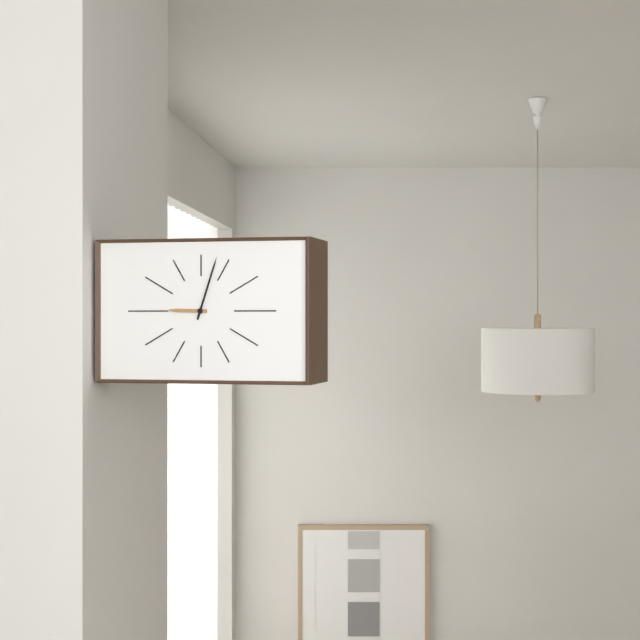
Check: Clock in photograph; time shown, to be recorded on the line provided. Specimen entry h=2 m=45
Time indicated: h=9 m=3
